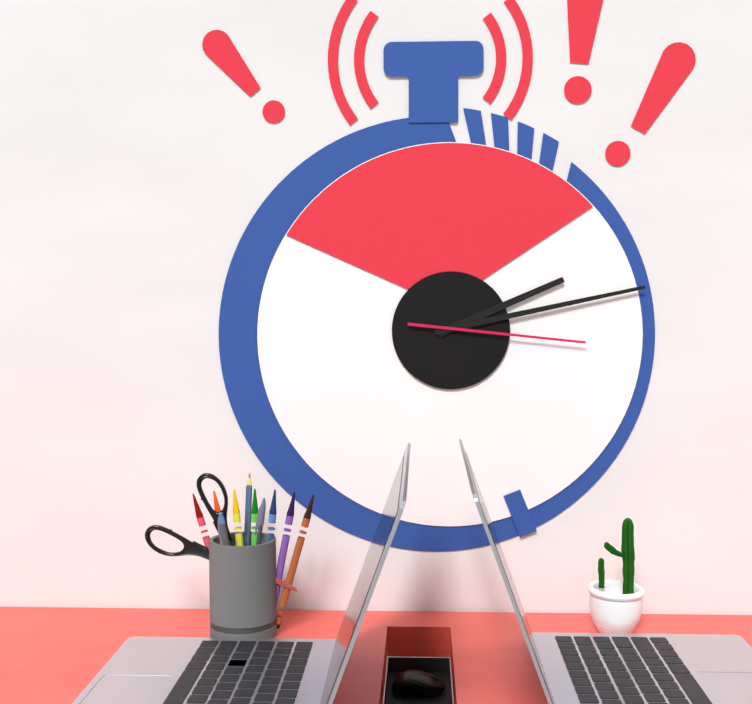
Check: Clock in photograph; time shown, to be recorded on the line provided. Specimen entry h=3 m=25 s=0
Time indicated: h=2 m=13 s=16
